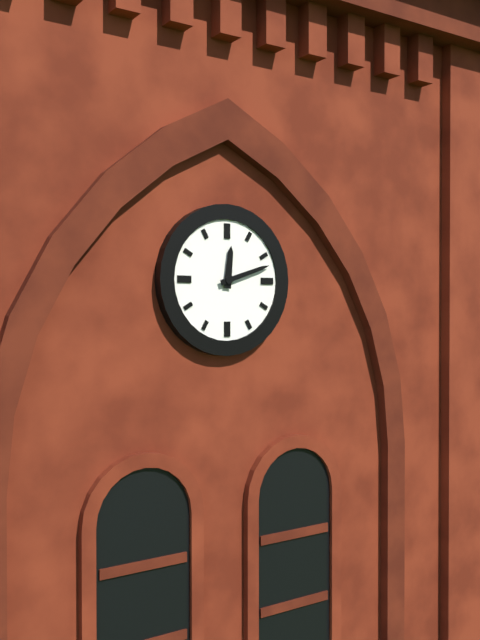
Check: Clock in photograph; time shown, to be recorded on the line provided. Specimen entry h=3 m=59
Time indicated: h=12 m=12
